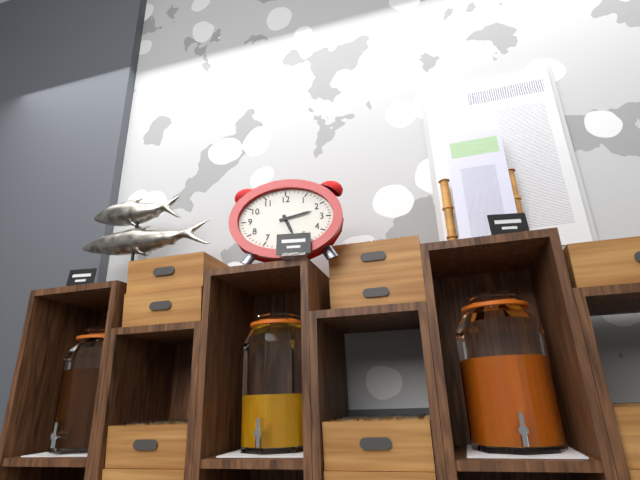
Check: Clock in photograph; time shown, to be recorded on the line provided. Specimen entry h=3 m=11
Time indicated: h=5 m=13
